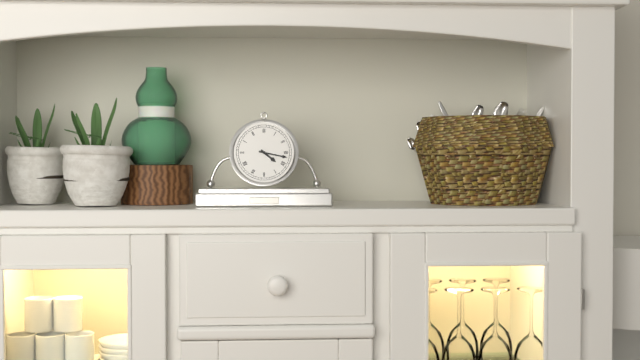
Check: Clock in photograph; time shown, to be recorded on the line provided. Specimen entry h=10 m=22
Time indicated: h=4 m=17
